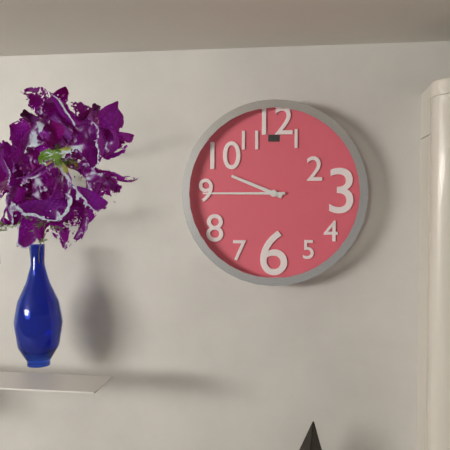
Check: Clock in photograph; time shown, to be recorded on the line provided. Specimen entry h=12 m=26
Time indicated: h=9 m=45
